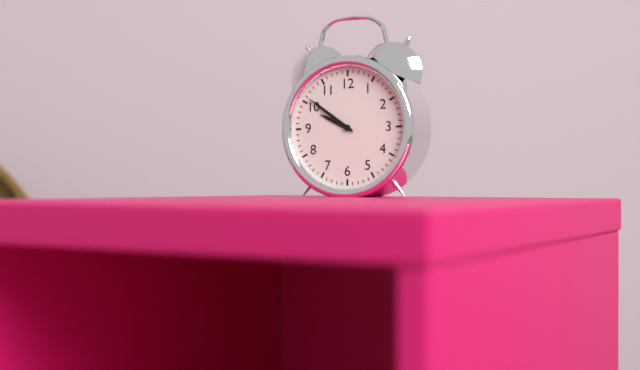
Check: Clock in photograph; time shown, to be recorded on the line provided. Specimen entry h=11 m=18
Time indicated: h=9 m=51
